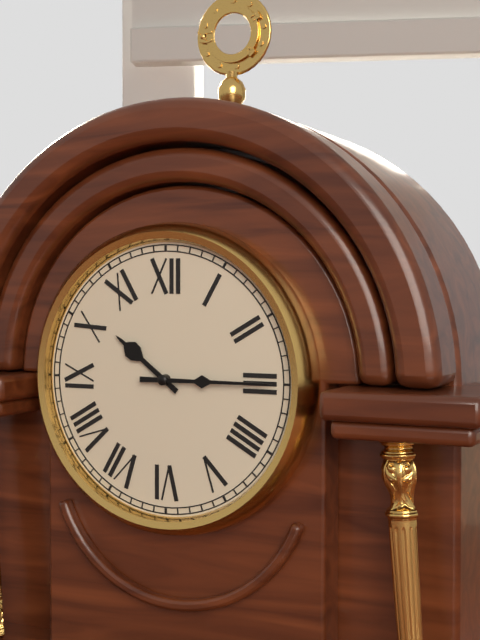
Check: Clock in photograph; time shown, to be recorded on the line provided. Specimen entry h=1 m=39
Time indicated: h=10 m=15
